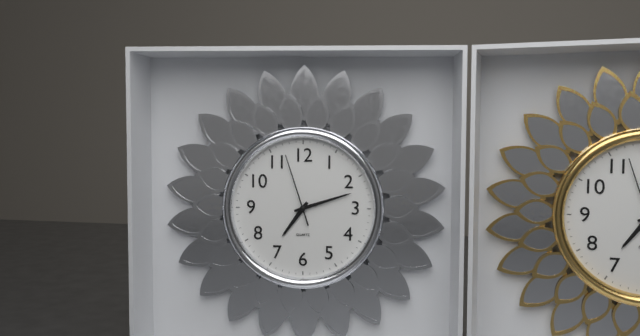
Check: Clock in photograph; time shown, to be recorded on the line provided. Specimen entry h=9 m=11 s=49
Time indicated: h=7 m=12 s=57
